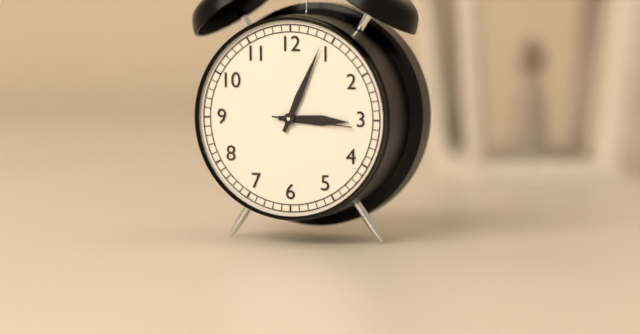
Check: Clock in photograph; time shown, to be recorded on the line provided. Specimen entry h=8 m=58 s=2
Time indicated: h=3 m=4 s=16
